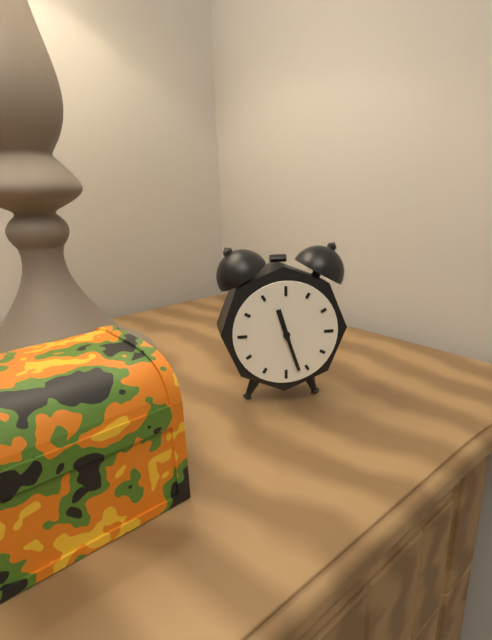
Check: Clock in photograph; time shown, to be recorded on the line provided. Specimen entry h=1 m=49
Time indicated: h=11 m=27
